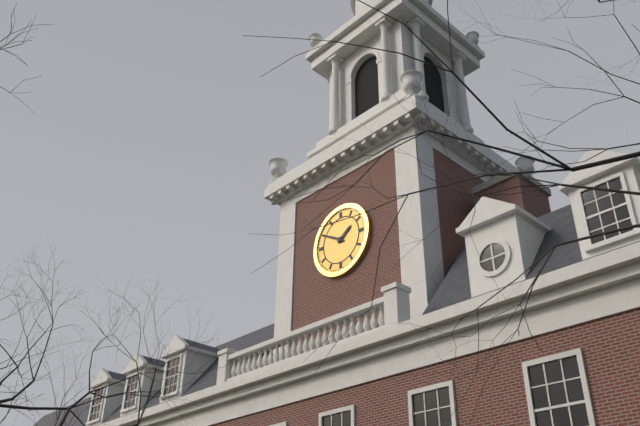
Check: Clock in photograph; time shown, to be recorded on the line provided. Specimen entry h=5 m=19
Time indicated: h=1 m=50
